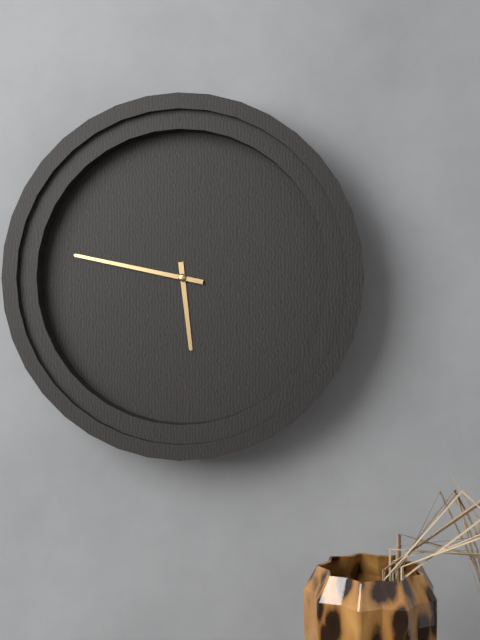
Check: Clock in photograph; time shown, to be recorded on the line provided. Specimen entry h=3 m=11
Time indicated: h=5 m=47
